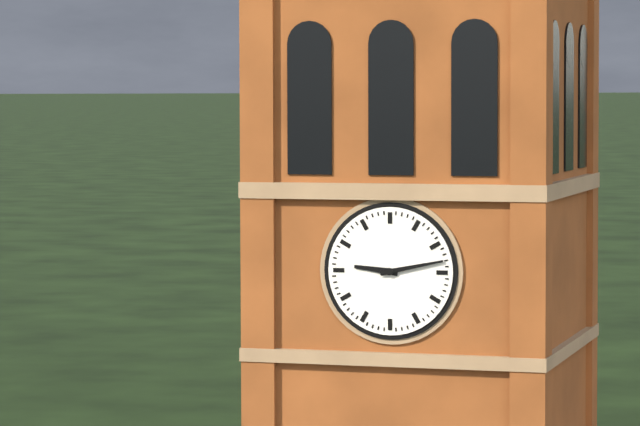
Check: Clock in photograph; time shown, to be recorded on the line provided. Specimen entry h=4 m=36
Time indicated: h=9 m=13
